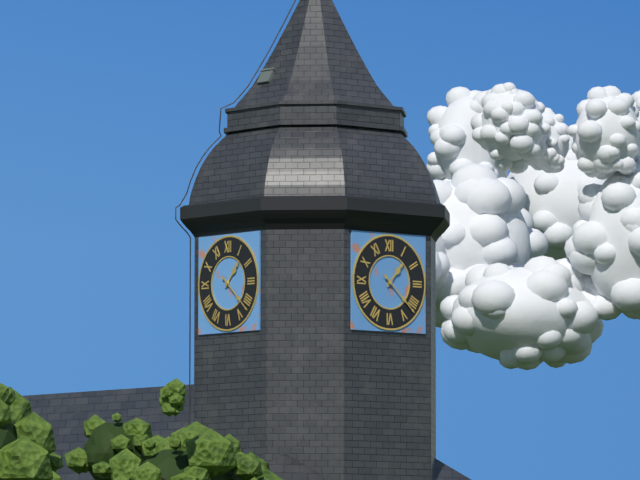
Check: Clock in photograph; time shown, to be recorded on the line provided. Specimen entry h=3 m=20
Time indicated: h=1 m=22
